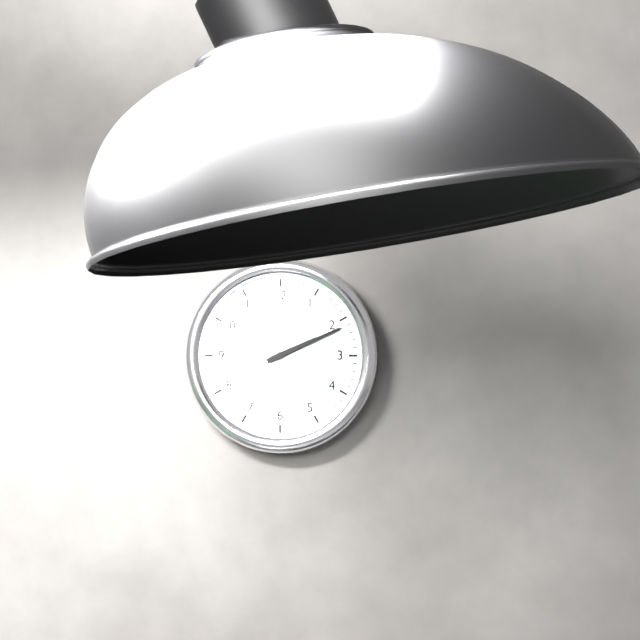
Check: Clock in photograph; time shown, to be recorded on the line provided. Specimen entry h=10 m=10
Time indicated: h=2 m=11
